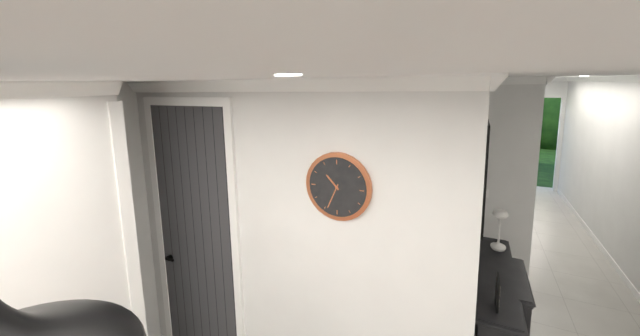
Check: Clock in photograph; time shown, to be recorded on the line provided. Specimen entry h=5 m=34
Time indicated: h=10 m=34
